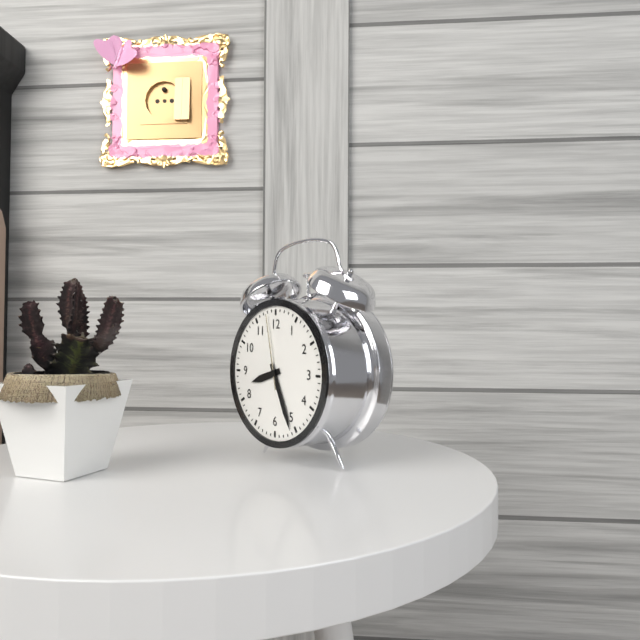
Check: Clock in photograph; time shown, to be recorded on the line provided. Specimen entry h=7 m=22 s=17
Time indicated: h=8 m=26 s=58
